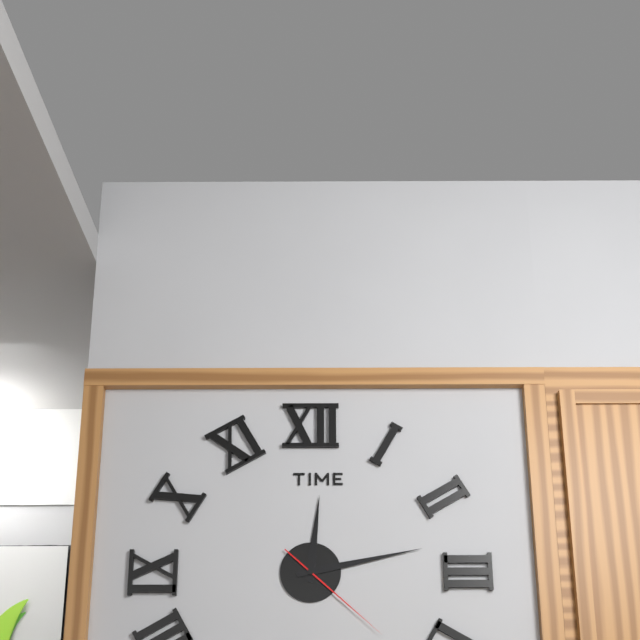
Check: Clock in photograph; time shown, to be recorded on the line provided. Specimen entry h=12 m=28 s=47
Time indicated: h=12 m=13 s=22
